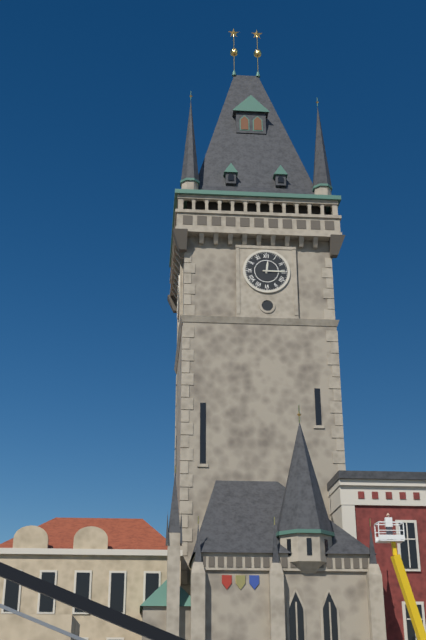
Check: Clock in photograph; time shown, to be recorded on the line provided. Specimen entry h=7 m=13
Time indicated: h=12 m=15
